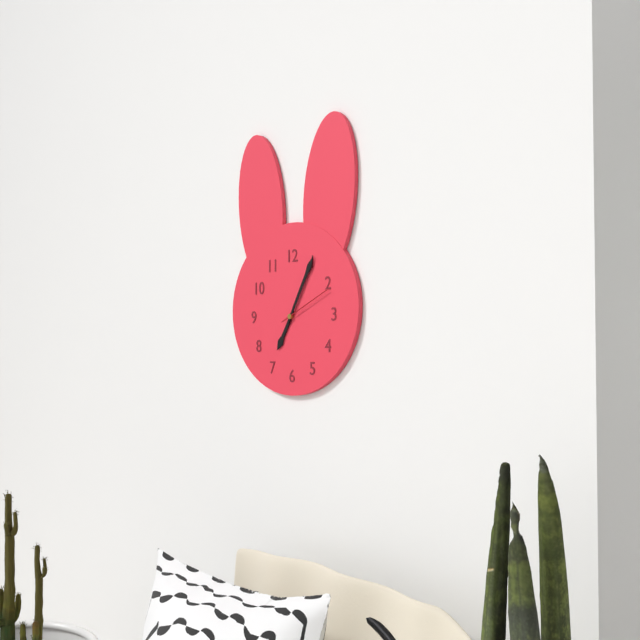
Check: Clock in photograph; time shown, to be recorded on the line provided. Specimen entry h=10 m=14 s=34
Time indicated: h=7 m=5 s=11
